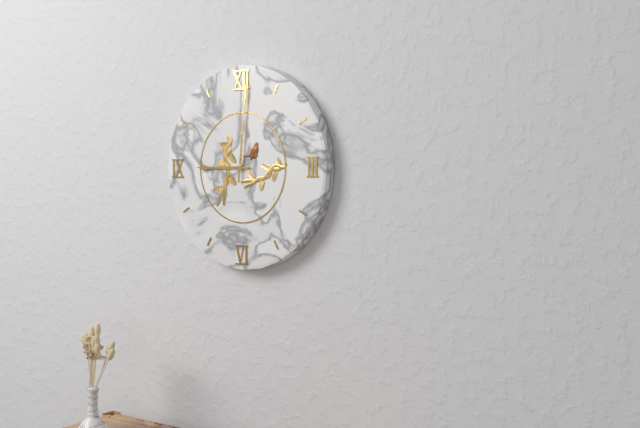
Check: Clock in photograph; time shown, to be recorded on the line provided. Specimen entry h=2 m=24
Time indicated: h=9 m=1
